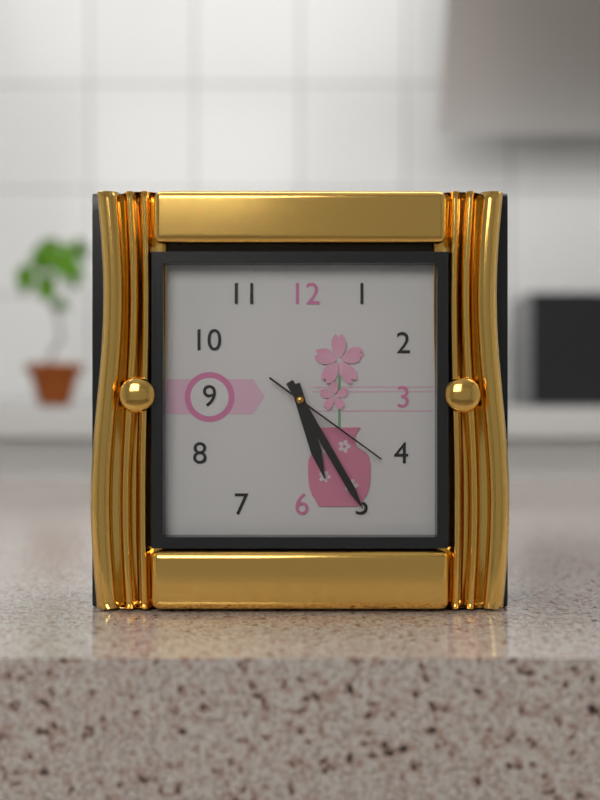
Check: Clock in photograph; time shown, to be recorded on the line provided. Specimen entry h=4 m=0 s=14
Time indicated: h=5 m=25 s=21
